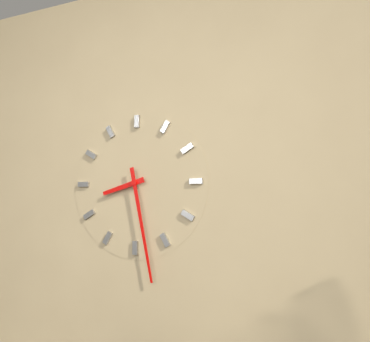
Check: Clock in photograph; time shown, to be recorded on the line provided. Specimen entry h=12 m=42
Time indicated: h=8 m=28
